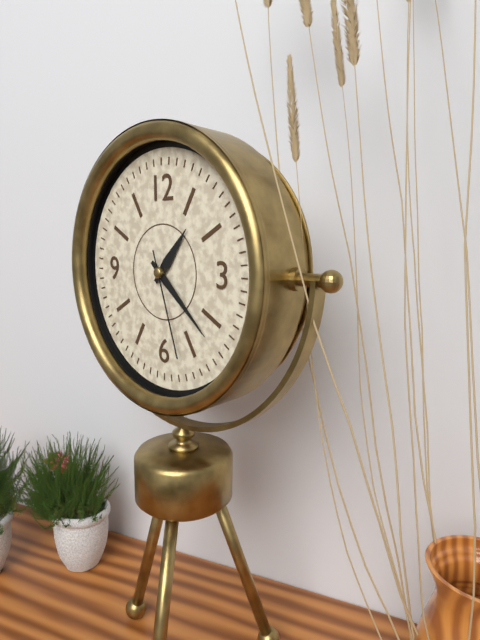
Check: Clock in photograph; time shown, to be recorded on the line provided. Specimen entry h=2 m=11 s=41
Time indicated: h=1 m=22 s=27
